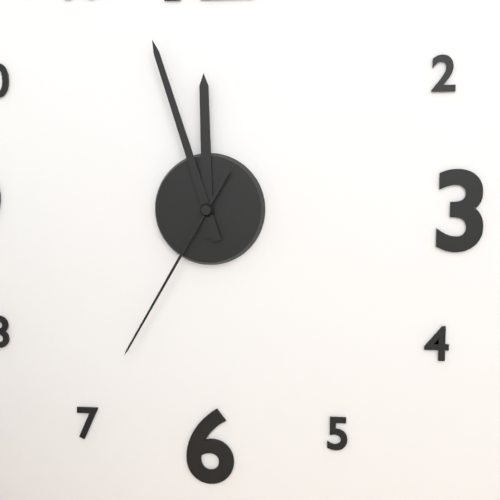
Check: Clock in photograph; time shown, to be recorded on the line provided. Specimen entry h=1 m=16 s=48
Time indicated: h=11 m=57 s=35
